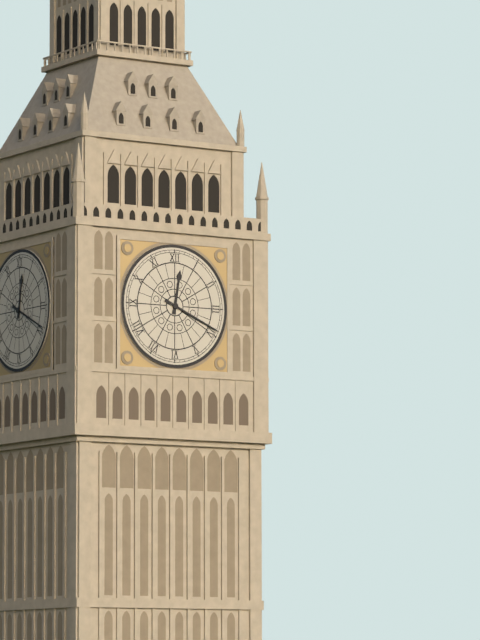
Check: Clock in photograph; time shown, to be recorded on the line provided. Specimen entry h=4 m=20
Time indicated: h=12 m=19
